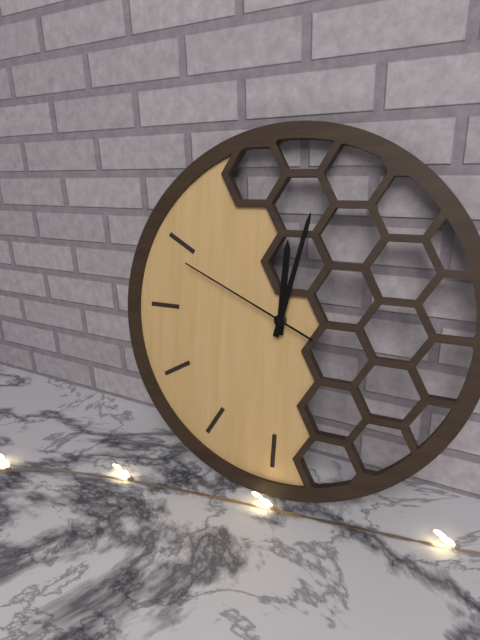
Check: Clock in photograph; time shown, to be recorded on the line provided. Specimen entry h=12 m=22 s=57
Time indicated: h=12 m=2 s=49
